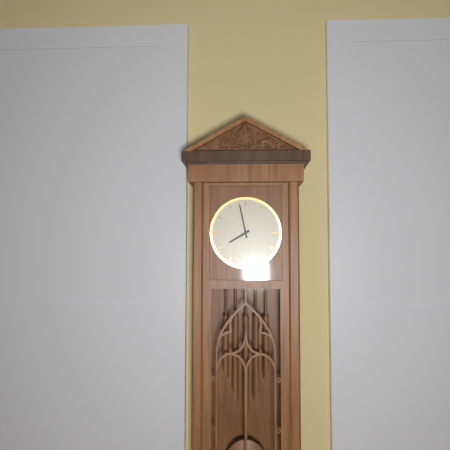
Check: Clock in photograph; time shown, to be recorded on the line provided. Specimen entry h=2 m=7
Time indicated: h=7 m=58
